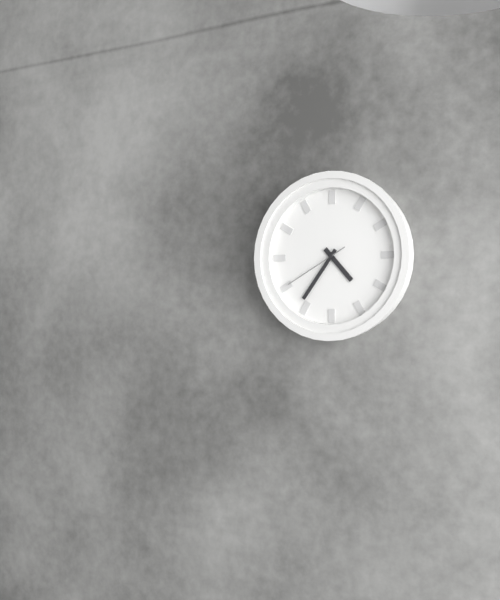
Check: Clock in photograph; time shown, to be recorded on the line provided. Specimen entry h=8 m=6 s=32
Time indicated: h=4 m=36 s=40
